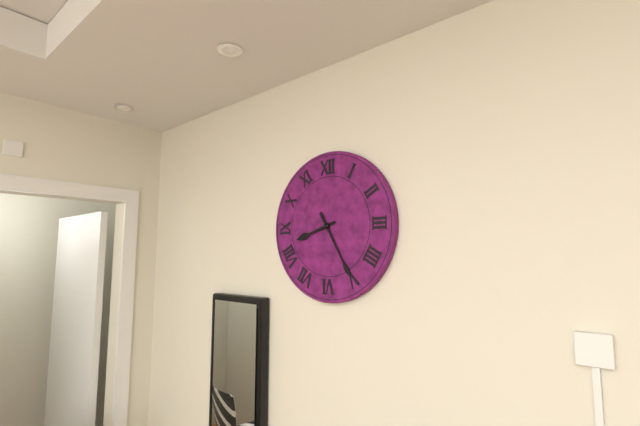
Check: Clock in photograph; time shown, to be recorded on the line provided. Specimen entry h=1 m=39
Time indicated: h=8 m=25
